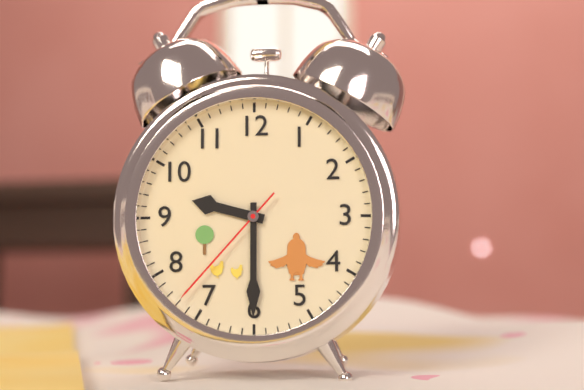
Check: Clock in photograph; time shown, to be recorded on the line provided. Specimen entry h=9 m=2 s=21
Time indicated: h=9 m=30 s=37
